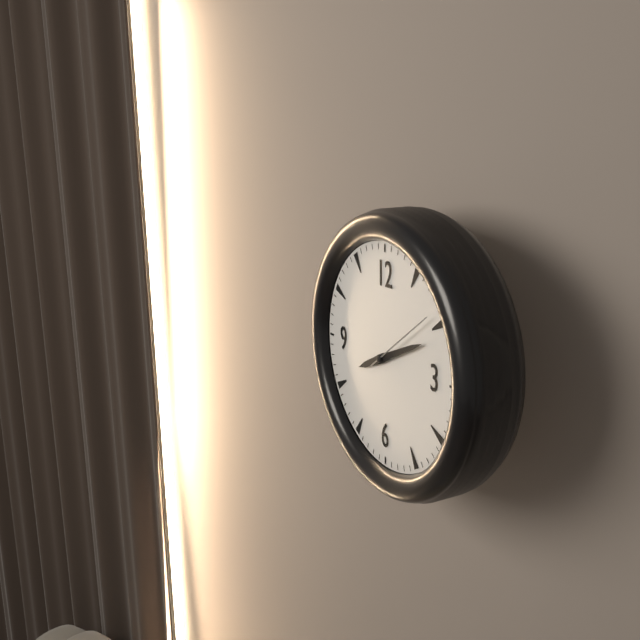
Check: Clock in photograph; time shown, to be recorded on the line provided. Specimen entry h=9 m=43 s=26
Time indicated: h=8 m=11 s=9
